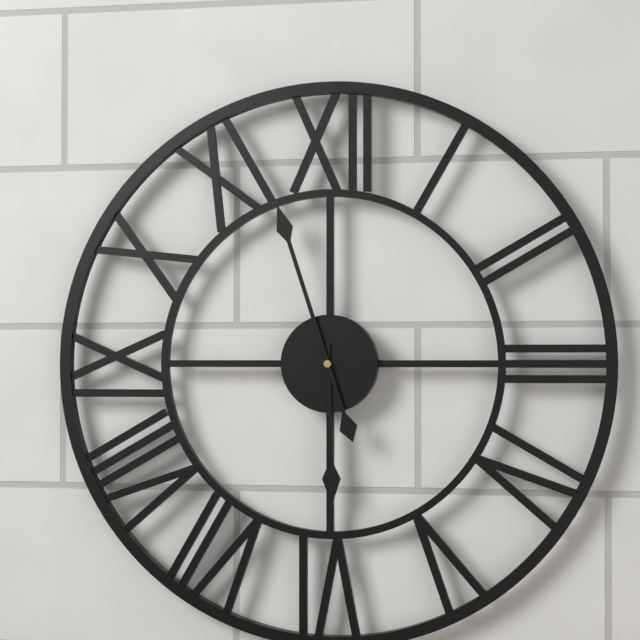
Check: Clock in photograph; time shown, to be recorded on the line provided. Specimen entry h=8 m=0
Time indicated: h=5 m=57
